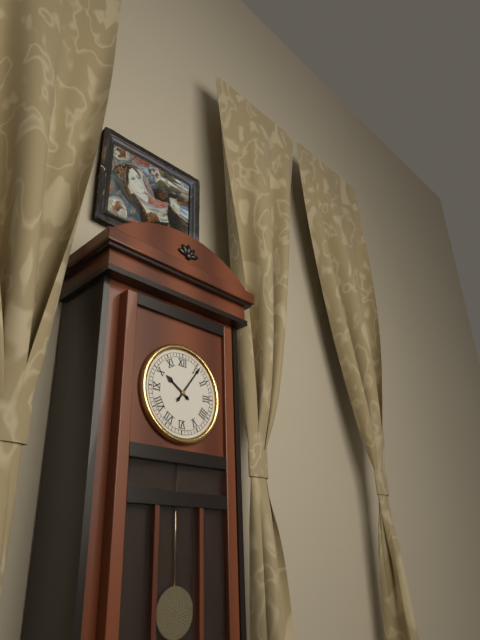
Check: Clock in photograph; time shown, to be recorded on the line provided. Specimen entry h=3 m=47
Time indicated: h=10 m=6
